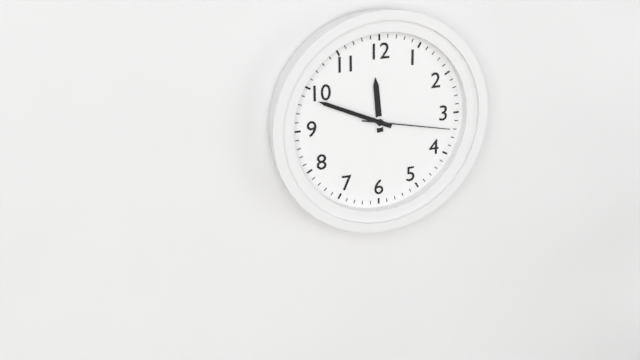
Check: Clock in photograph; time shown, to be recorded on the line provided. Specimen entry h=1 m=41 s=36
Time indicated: h=11 m=49 s=17
